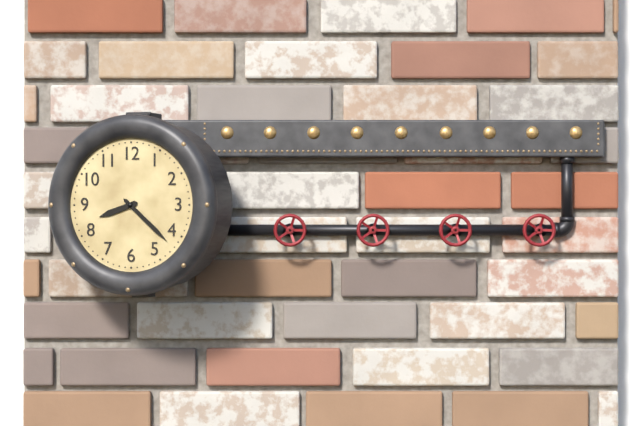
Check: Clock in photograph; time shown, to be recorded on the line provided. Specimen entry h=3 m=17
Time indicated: h=8 m=22
